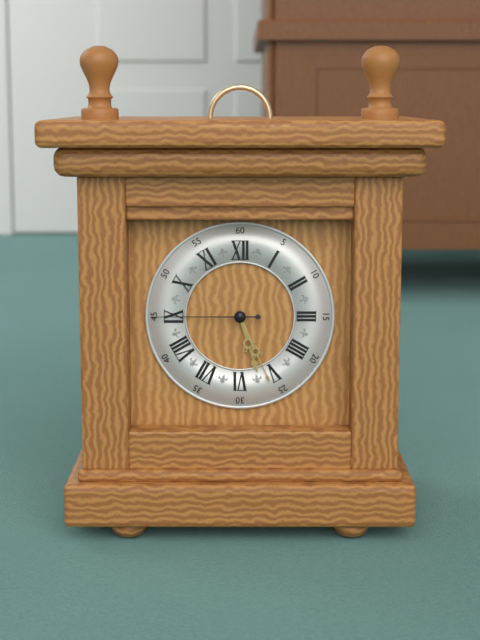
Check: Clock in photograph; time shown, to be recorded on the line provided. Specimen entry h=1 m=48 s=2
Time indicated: h=5 m=26 s=45
